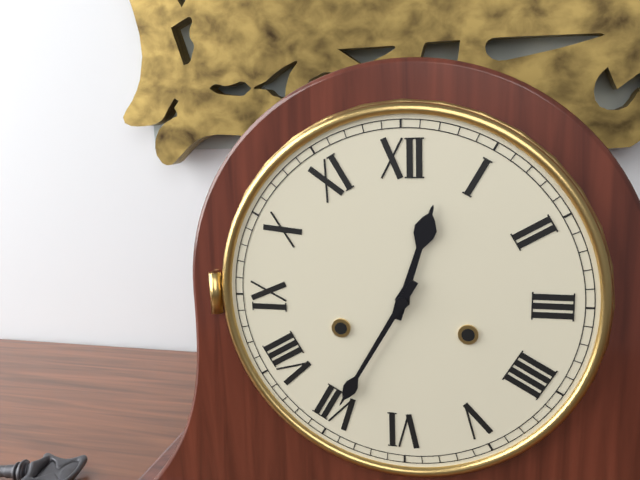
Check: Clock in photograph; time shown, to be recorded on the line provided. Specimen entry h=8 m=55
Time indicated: h=12 m=35
